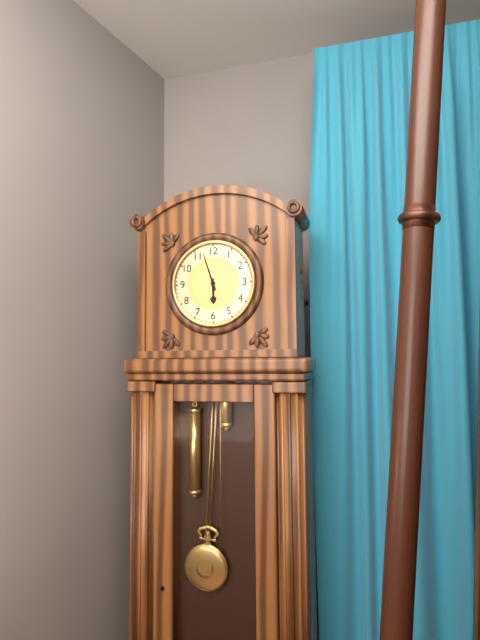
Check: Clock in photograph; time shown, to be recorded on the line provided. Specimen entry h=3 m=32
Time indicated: h=5 m=57
